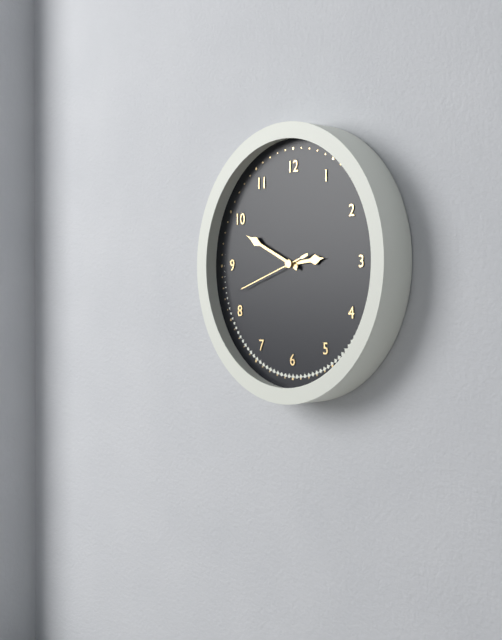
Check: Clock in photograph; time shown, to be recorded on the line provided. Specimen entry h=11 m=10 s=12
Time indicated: h=2 m=49 s=42
